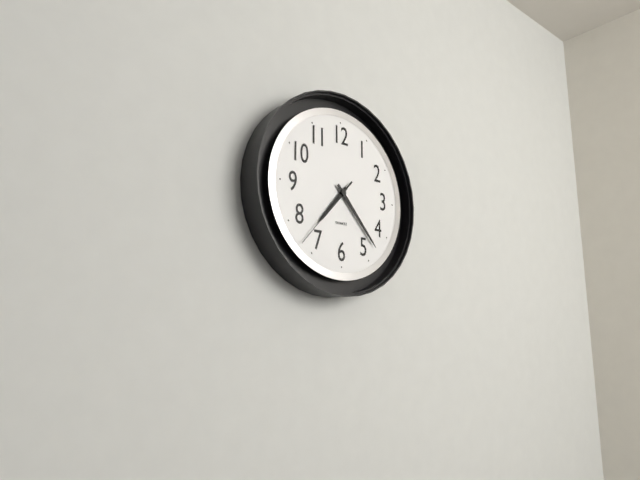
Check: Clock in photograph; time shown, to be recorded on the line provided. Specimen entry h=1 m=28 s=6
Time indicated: h=7 m=23 s=37
